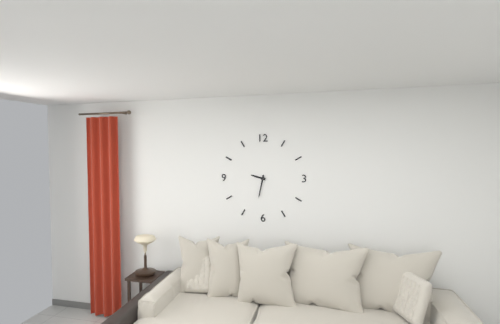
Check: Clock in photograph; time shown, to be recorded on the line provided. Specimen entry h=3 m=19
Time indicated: h=9 m=32
